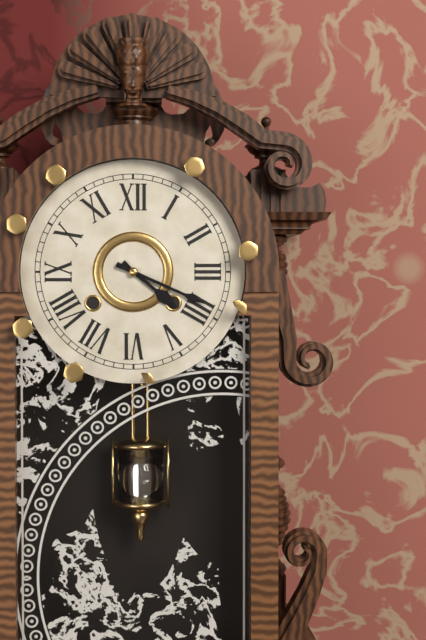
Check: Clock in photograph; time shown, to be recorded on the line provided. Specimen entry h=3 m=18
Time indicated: h=4 m=19
